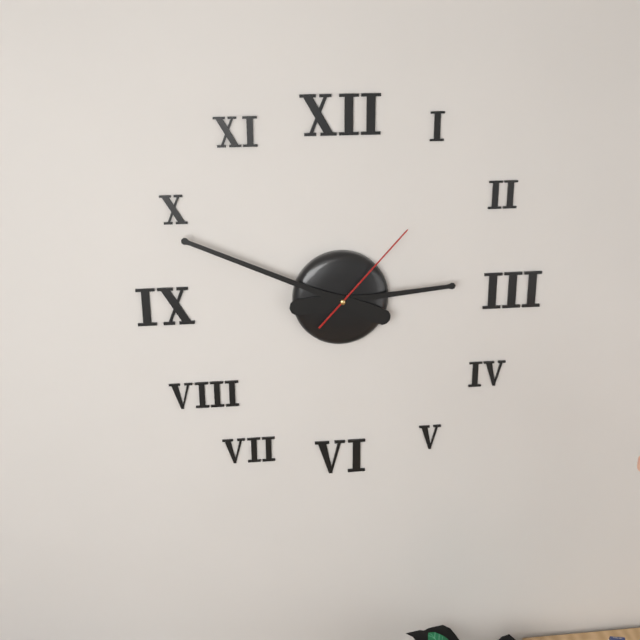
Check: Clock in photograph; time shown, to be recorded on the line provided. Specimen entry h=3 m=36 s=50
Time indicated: h=2 m=49 s=7
